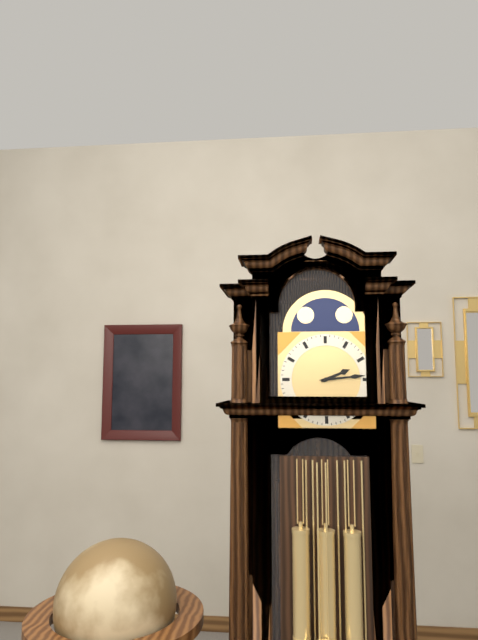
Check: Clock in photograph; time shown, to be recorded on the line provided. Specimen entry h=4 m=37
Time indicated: h=2 m=14
